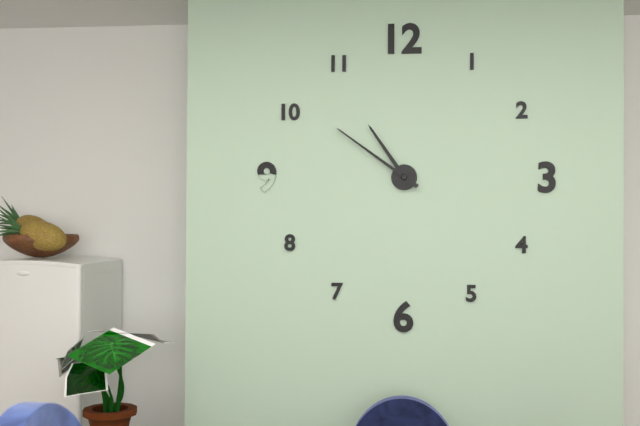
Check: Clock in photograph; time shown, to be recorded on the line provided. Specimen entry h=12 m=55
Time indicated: h=10 m=51
